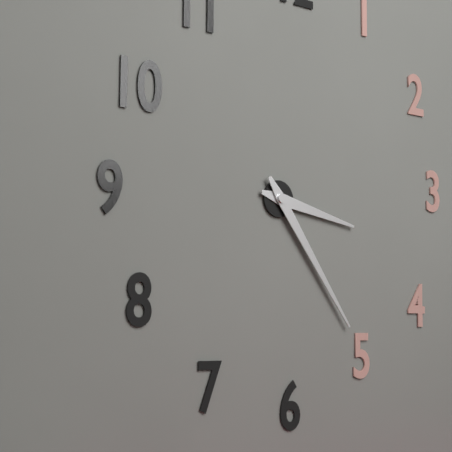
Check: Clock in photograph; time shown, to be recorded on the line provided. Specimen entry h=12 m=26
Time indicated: h=3 m=24
